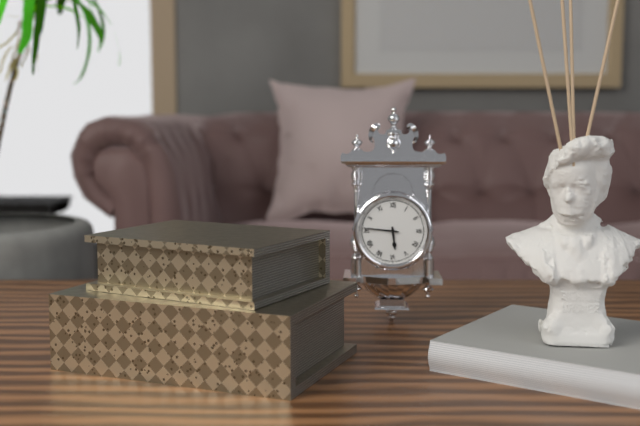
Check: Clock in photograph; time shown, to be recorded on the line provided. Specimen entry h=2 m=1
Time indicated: h=5 m=46
